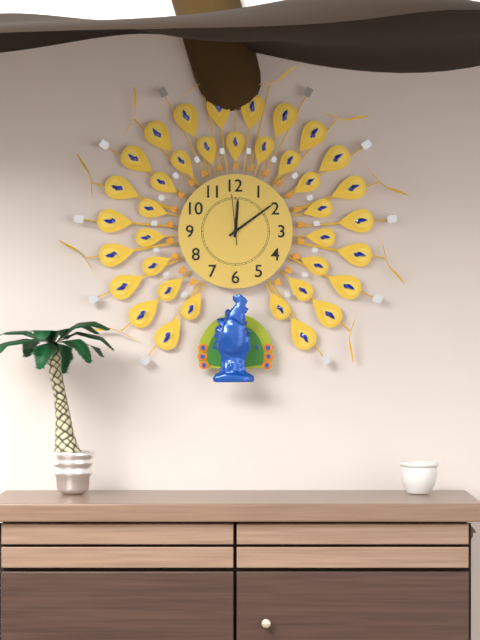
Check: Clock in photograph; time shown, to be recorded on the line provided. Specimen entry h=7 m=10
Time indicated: h=12 m=9
